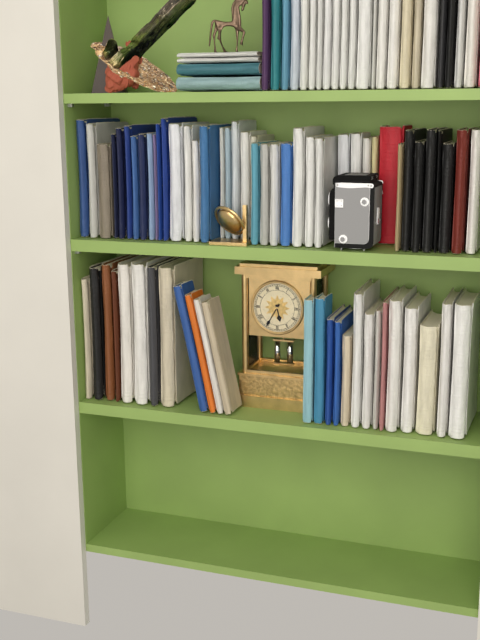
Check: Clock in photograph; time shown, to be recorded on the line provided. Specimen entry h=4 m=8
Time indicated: h=5 m=35
